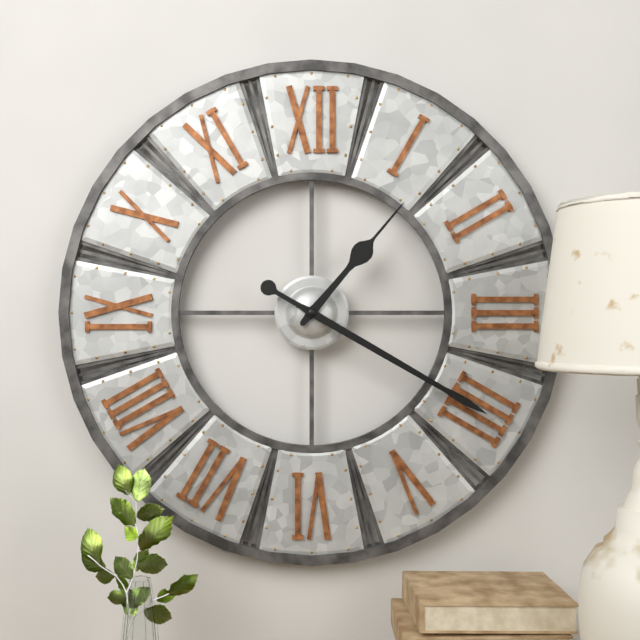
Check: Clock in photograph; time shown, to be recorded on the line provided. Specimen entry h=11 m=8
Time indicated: h=1 m=20
